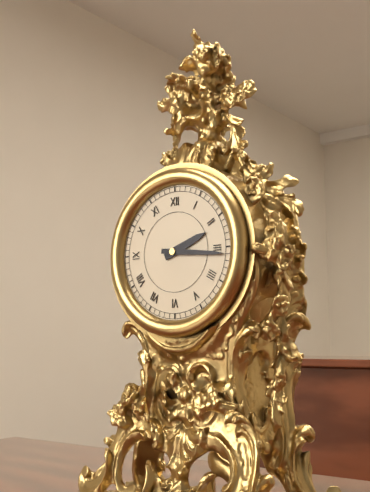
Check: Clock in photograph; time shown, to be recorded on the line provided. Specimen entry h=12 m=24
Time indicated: h=2 m=16
